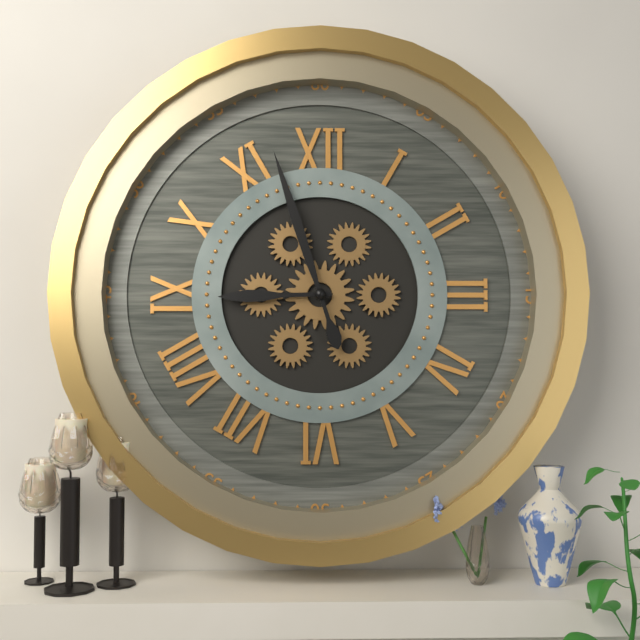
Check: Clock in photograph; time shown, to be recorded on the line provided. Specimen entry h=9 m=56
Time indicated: h=8 m=57
